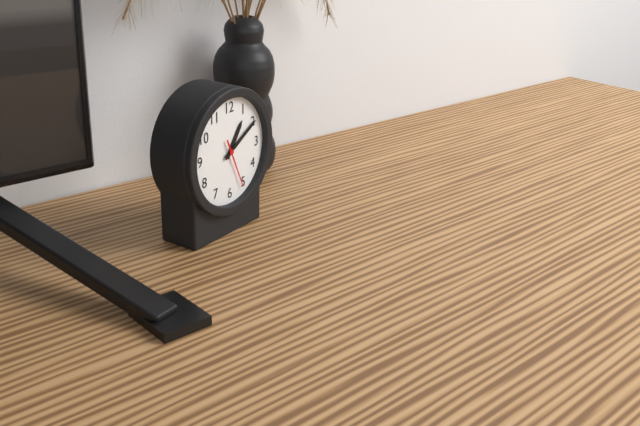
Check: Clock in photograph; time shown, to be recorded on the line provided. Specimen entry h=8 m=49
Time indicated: h=1 m=10
